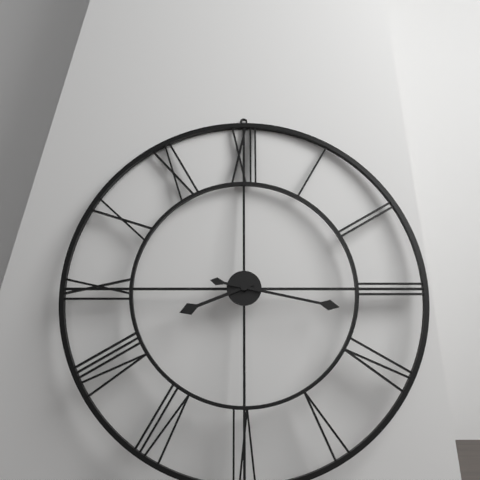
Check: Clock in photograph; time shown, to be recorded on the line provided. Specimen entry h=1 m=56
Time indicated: h=8 m=17
